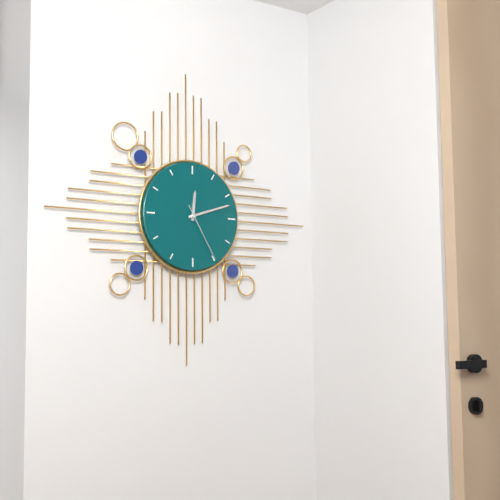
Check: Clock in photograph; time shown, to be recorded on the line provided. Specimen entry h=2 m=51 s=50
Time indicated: h=12 m=12 s=25
